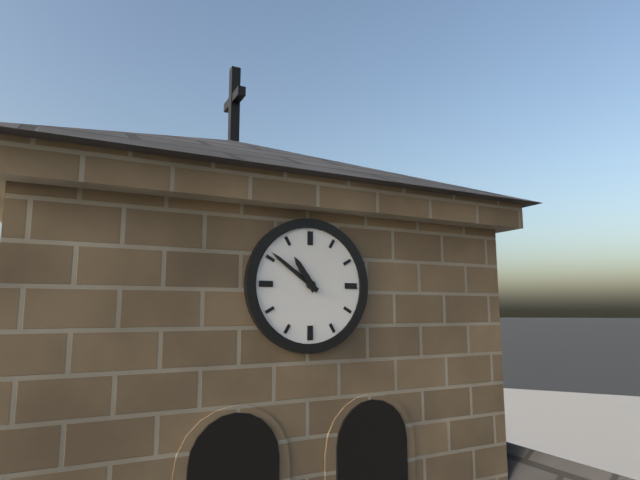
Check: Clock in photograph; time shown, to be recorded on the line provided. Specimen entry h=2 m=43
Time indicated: h=10 m=51
